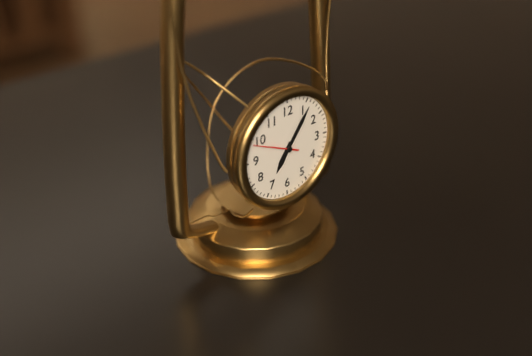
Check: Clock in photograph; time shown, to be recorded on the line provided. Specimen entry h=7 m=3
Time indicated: h=7 m=6
